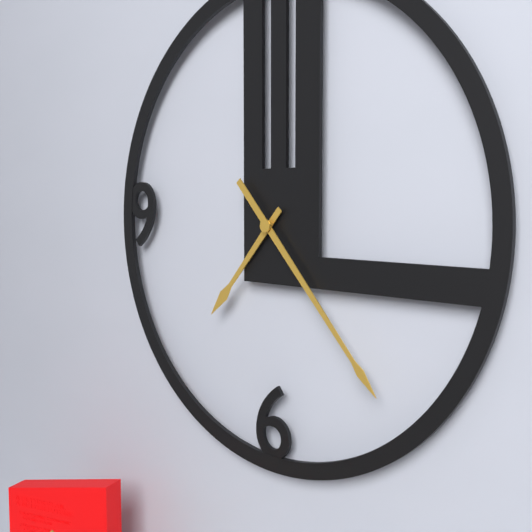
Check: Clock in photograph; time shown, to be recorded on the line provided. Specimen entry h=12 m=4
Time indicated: h=7 m=23
